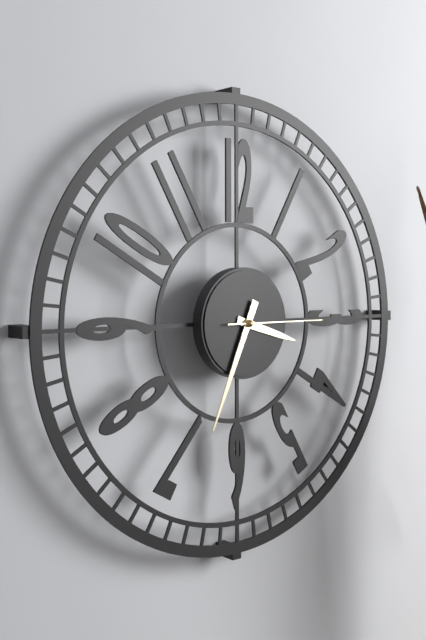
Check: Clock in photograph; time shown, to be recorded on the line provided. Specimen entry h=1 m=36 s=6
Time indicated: h=3 m=34 s=15
